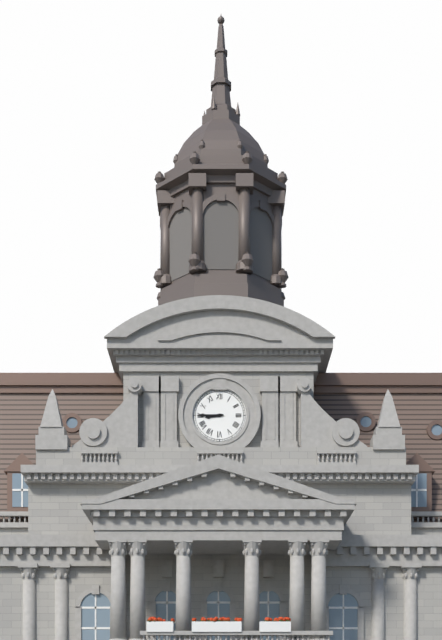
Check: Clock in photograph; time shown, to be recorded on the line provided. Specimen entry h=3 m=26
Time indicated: h=8 m=45
